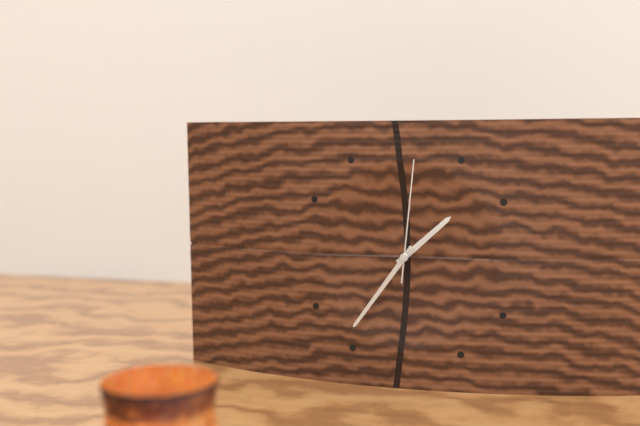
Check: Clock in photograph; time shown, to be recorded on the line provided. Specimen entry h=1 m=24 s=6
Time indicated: h=1 m=36 s=1
